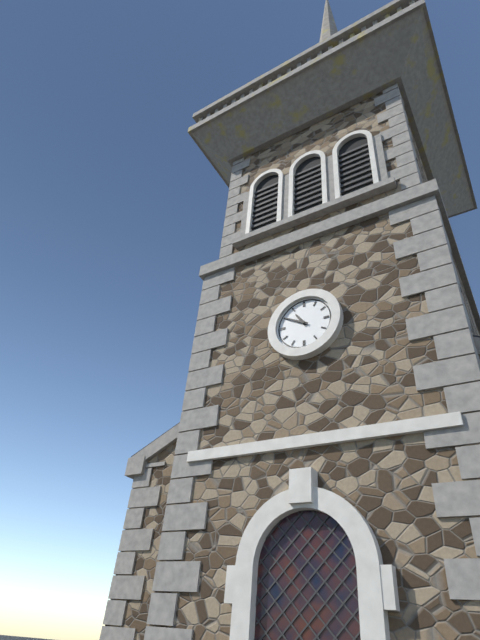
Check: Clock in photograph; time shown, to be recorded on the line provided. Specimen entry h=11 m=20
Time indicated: h=10 m=50
